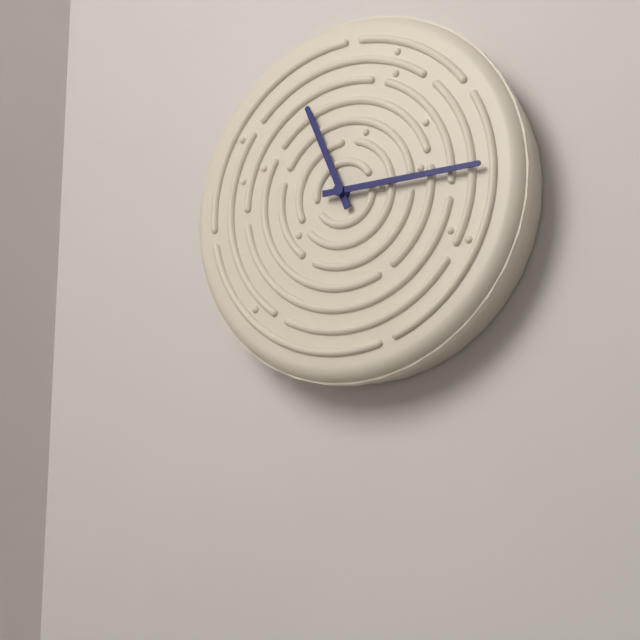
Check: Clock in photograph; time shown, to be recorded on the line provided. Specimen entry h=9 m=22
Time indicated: h=11 m=15
